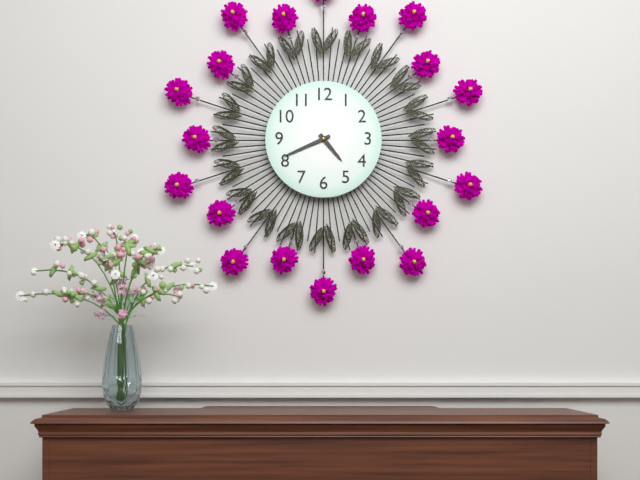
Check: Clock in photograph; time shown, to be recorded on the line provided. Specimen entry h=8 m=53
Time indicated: h=4 m=41
